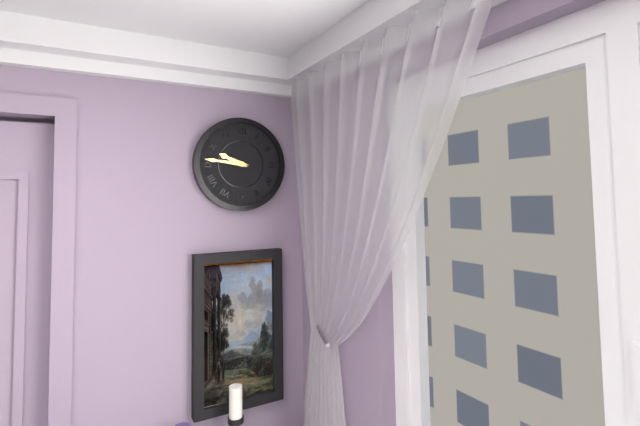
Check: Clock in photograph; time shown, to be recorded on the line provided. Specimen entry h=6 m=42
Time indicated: h=9 m=46
